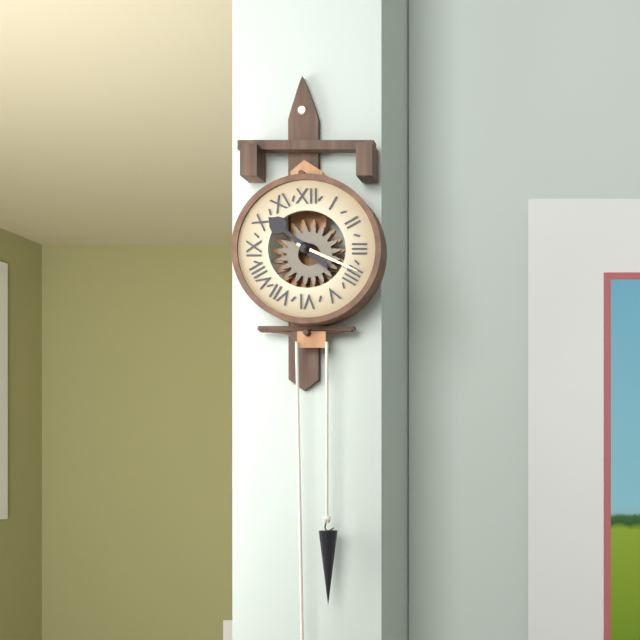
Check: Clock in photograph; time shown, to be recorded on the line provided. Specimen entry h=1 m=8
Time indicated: h=10 m=19
